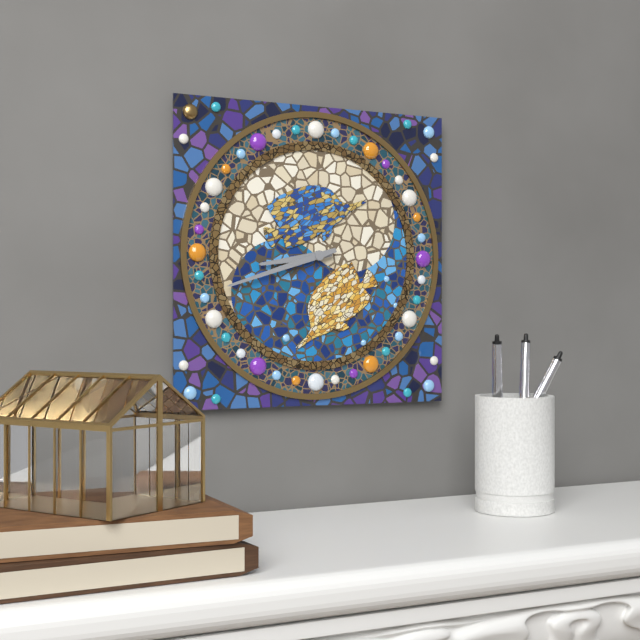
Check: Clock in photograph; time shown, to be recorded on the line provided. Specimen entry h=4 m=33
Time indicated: h=8 m=42
